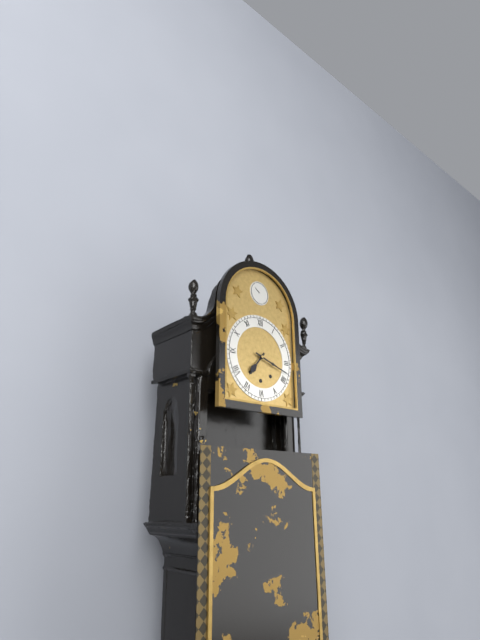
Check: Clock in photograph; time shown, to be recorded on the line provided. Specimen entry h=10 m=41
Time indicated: h=7 m=18
